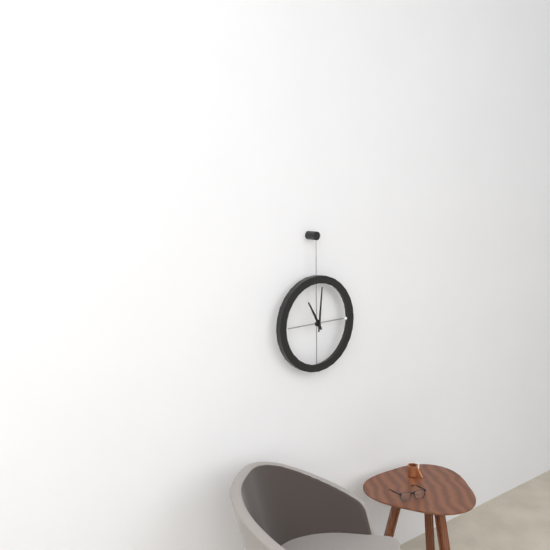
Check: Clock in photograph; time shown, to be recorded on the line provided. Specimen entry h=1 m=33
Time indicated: h=11 m=1
